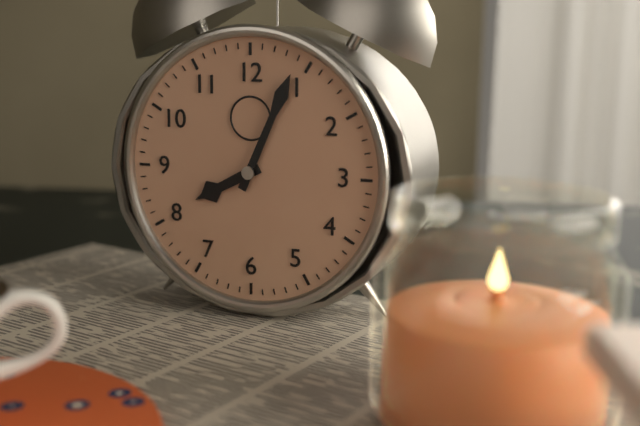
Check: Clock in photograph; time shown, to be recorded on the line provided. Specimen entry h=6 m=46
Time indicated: h=8 m=4
